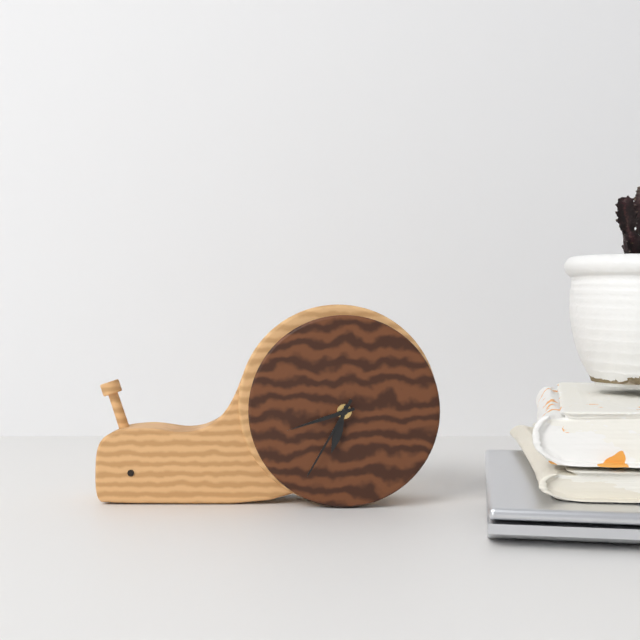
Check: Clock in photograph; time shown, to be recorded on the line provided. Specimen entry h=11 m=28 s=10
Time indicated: h=6 m=35 s=42
